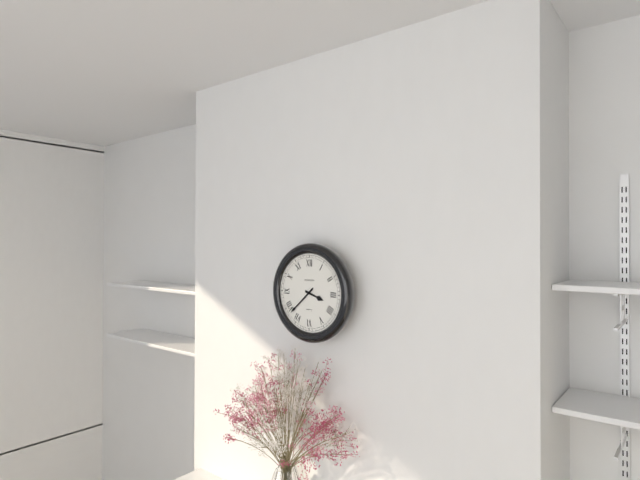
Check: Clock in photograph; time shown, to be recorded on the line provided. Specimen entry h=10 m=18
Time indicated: h=3 m=38
